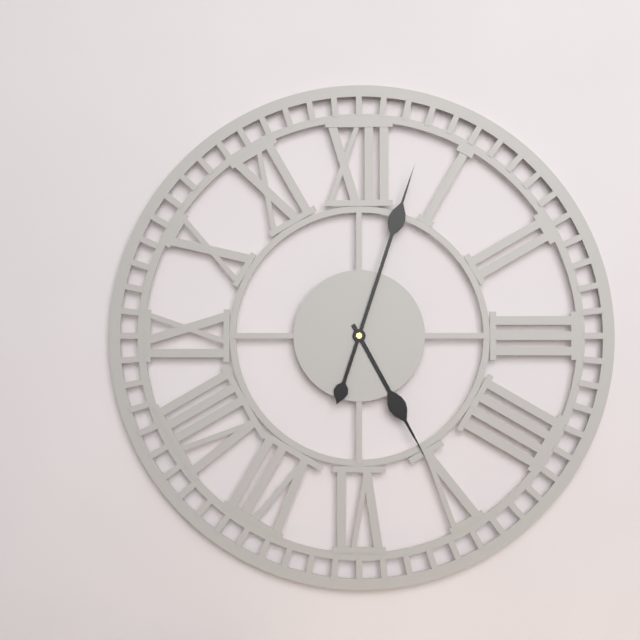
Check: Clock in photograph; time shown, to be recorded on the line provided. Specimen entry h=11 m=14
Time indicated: h=5 m=3
